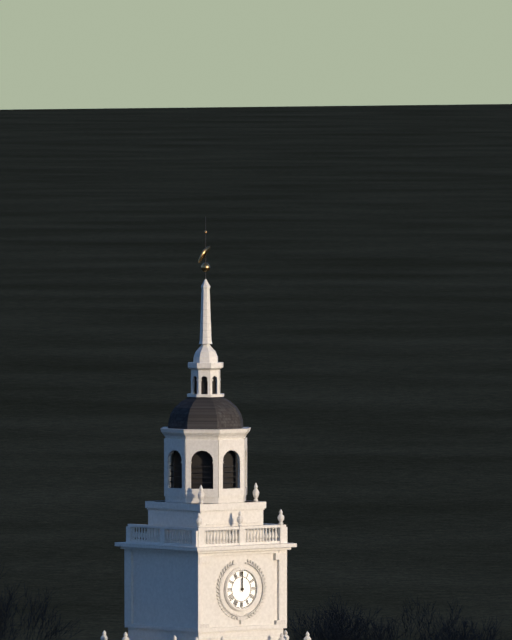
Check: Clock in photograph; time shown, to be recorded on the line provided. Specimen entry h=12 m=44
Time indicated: h=12 m=0
